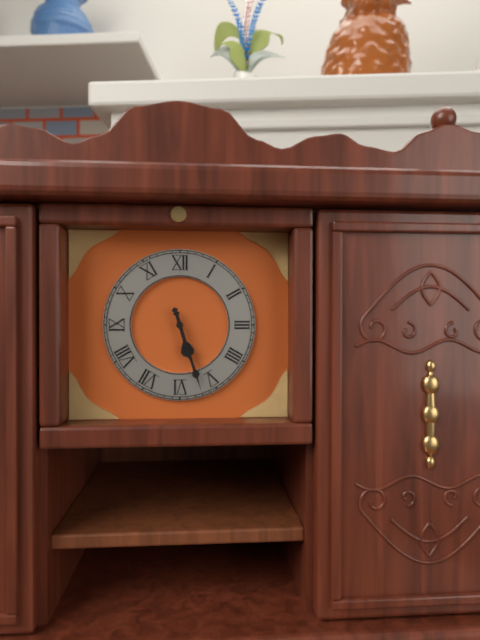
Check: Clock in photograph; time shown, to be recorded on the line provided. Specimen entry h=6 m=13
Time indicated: h=5 m=27
